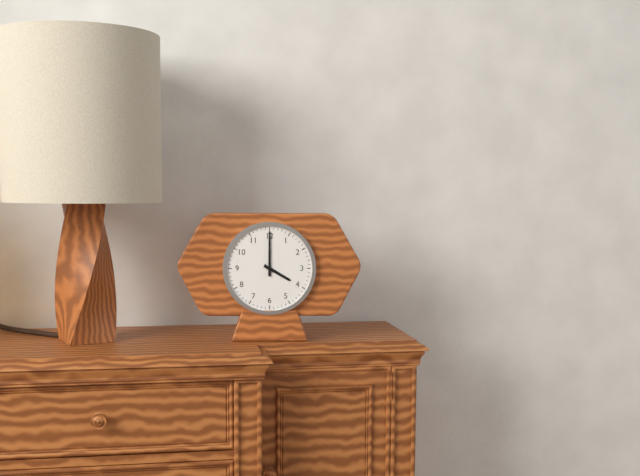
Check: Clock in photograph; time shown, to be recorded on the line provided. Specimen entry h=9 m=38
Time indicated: h=4 m=0
